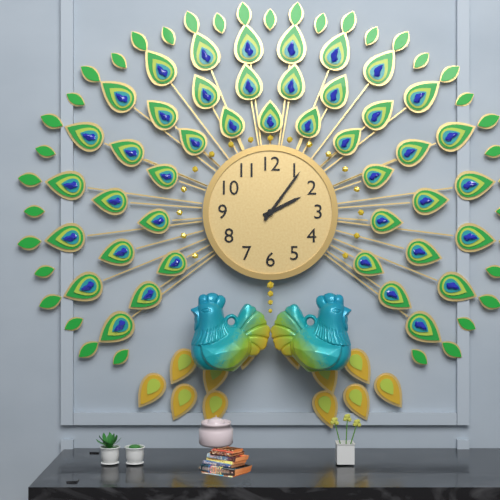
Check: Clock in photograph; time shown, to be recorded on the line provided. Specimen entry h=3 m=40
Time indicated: h=2 m=6
